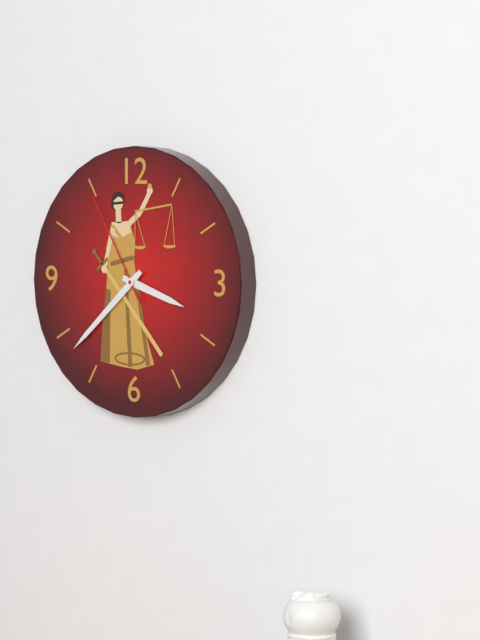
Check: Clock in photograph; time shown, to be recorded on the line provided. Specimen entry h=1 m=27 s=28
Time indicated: h=3 m=38 s=55
